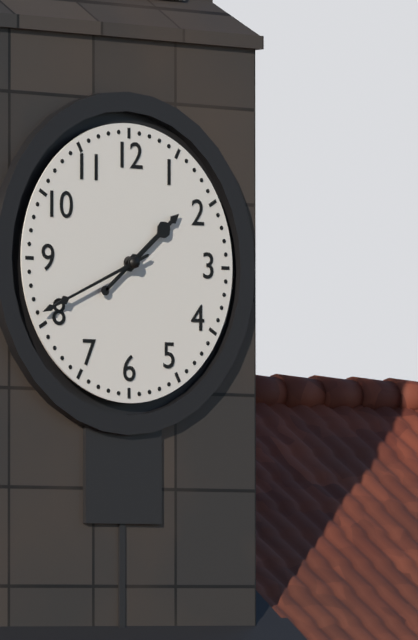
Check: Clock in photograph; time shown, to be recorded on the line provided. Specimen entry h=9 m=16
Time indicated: h=1 m=41
